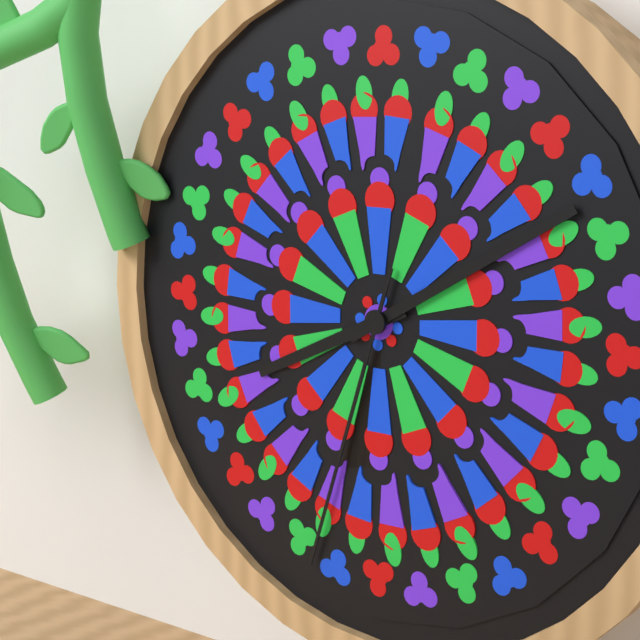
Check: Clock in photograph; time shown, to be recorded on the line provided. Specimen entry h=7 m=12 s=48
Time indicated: h=8 m=10 s=33
